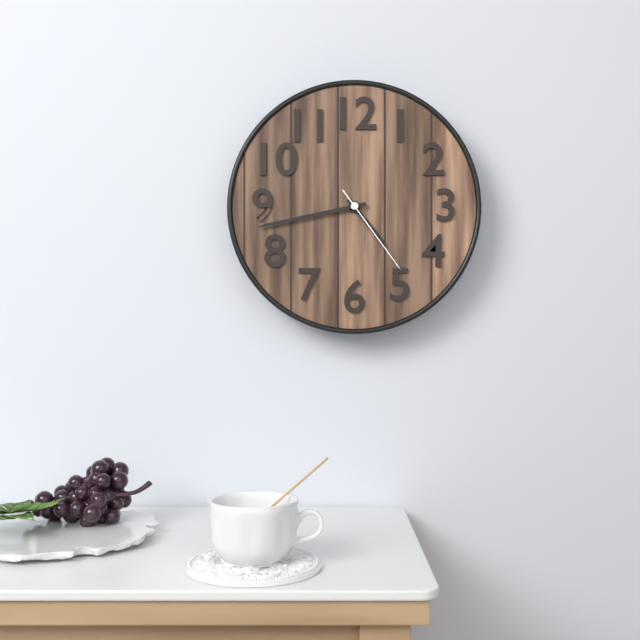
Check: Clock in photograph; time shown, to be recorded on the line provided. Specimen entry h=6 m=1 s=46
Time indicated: h=4 m=43 s=24
